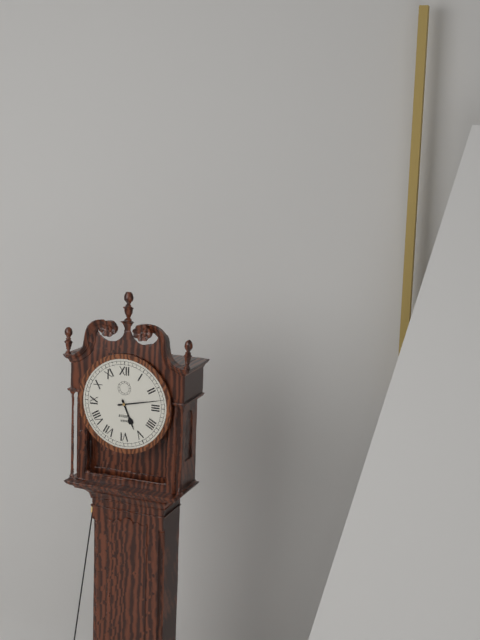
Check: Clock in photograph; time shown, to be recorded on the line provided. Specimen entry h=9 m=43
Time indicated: h=5 m=13
